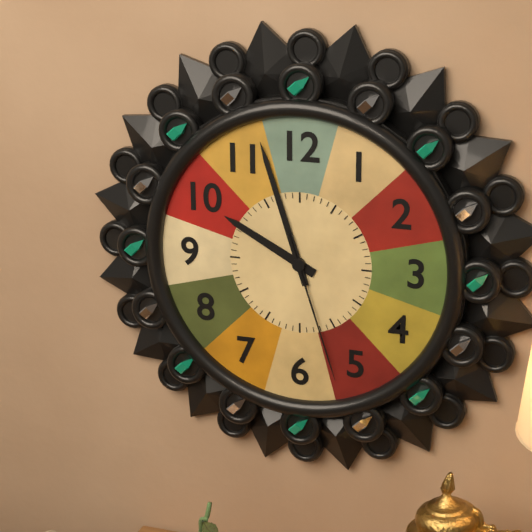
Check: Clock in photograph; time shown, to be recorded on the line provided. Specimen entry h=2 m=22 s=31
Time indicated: h=9 m=57 s=27
